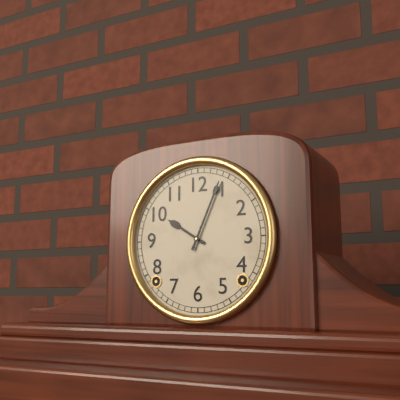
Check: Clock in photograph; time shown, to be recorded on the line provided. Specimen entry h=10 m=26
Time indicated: h=10 m=4
